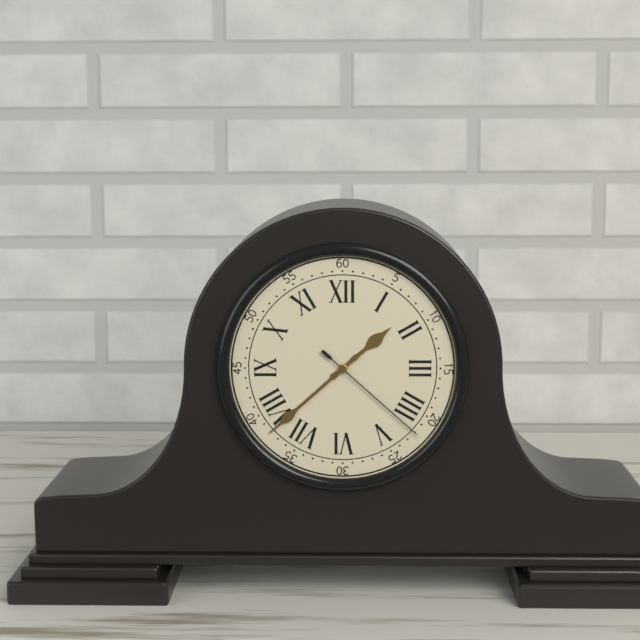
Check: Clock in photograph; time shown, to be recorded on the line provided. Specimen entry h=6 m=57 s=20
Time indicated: h=1 m=38 s=22
